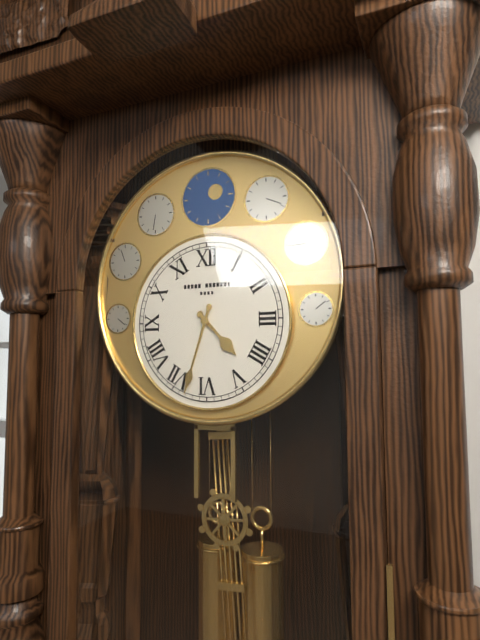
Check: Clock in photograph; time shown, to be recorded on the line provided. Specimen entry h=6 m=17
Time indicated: h=4 m=33
